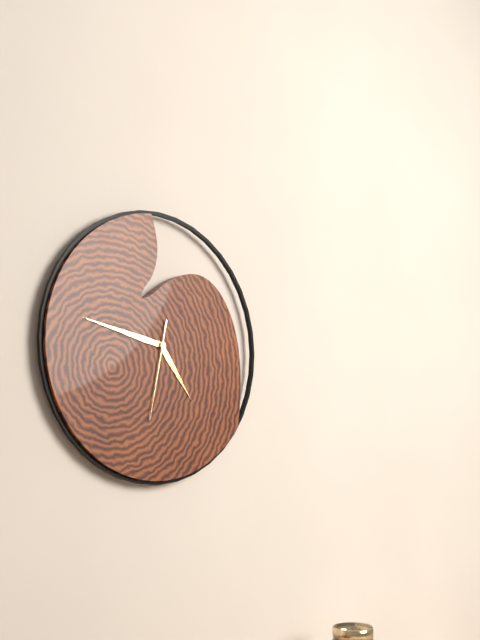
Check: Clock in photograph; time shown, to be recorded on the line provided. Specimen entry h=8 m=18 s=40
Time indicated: h=4 m=47 s=32
